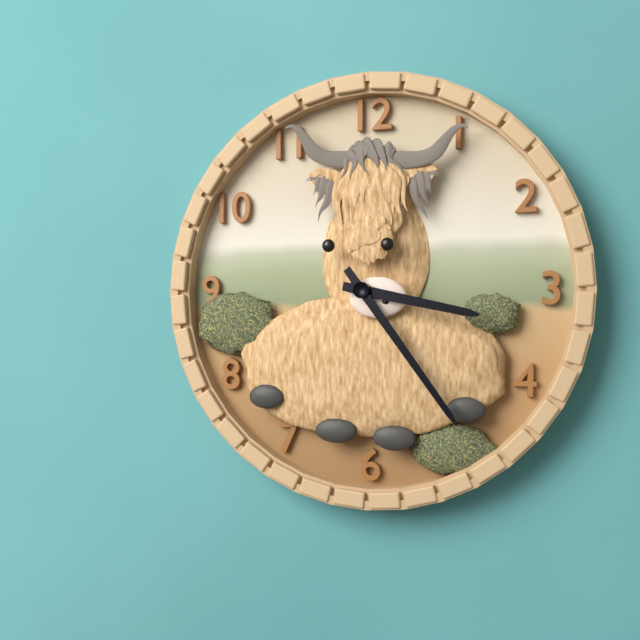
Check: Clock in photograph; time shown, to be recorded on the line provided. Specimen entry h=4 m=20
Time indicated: h=3 m=24
